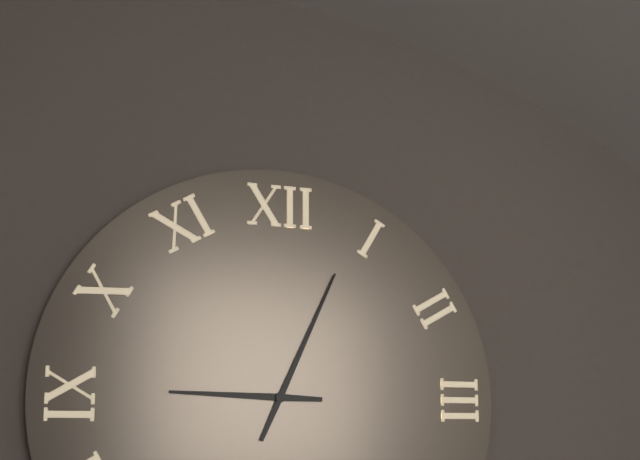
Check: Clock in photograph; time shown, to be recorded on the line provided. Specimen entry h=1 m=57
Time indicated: h=9 m=4
